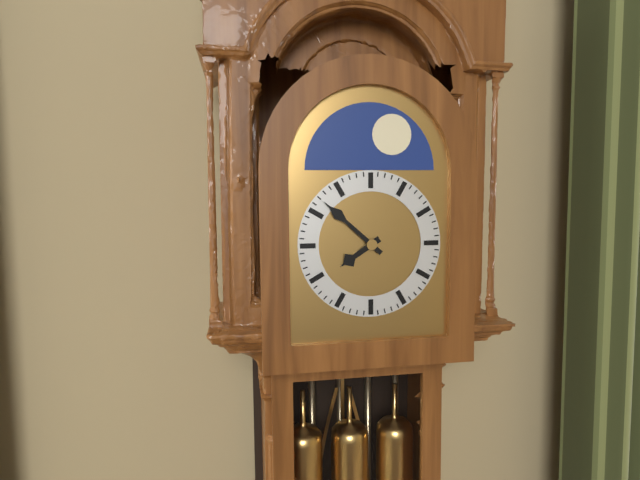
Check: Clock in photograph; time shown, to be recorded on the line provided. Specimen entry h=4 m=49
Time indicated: h=7 m=52
